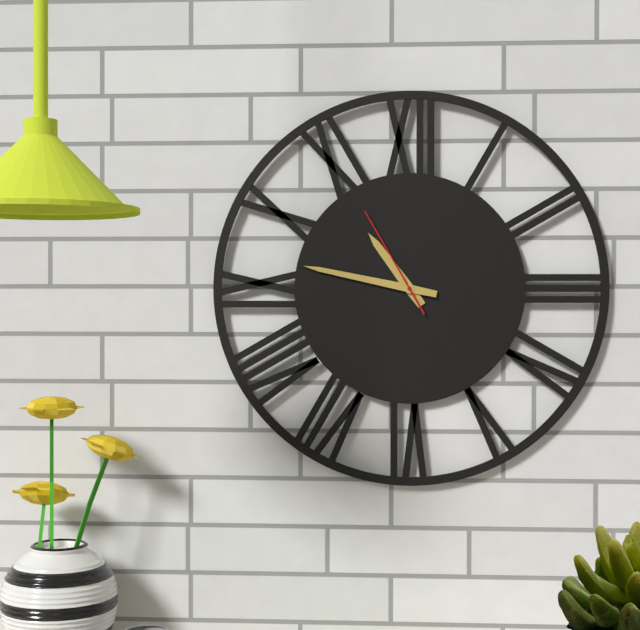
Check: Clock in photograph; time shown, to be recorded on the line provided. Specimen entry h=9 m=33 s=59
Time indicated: h=10 m=47 s=55
